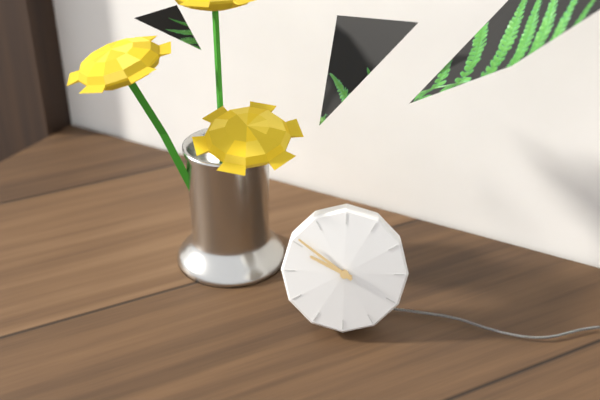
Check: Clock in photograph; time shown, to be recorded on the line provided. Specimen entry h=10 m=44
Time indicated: h=9 m=51
